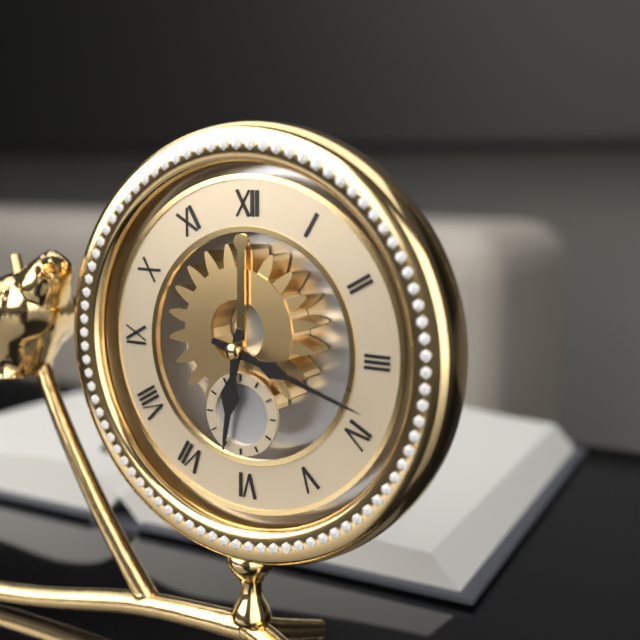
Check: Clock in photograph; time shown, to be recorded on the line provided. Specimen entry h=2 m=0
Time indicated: h=6 m=18
